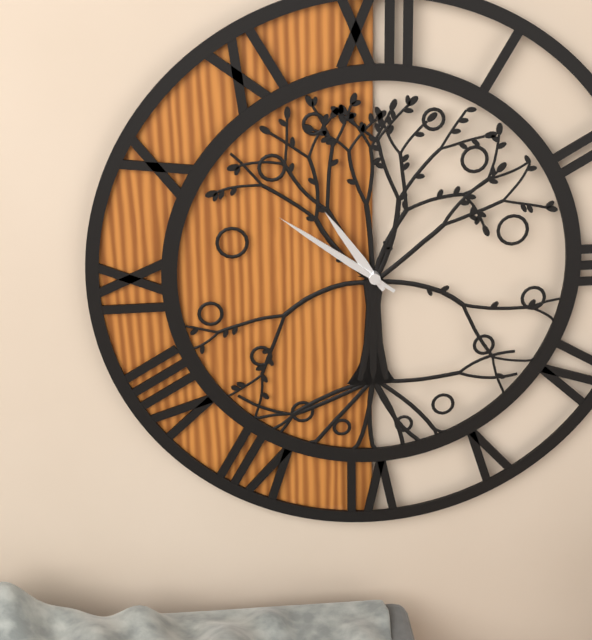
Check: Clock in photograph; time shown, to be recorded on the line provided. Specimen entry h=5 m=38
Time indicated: h=10 m=51
